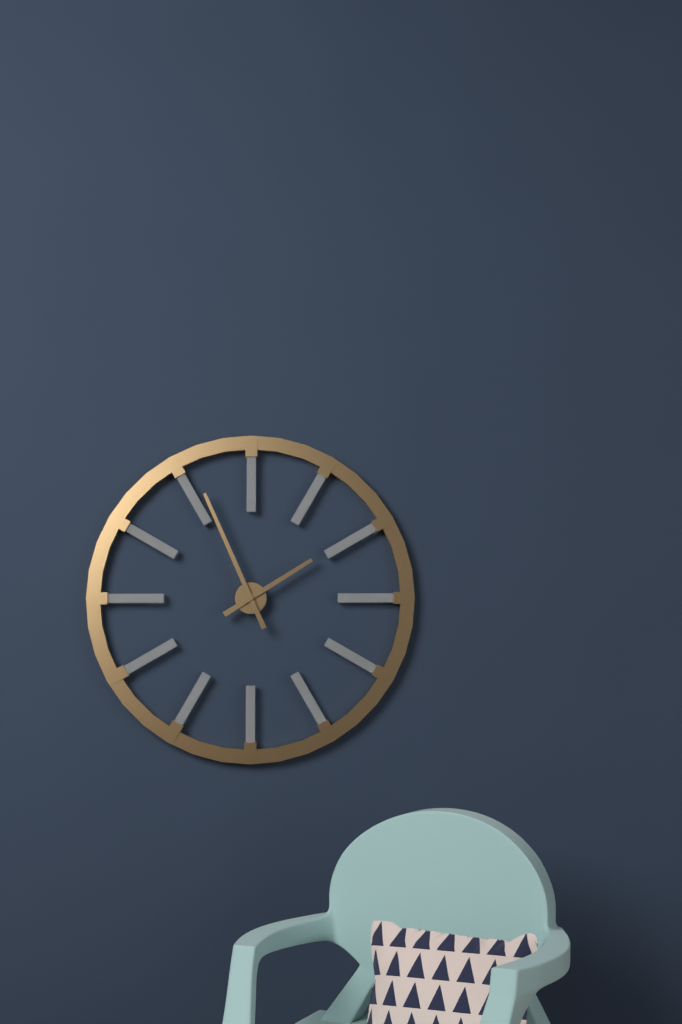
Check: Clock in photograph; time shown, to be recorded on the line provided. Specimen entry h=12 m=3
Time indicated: h=1 m=56
